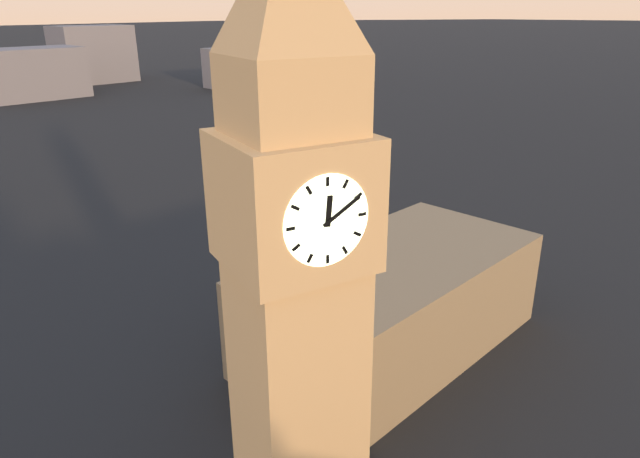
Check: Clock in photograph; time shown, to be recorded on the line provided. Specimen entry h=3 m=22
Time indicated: h=12 m=10
